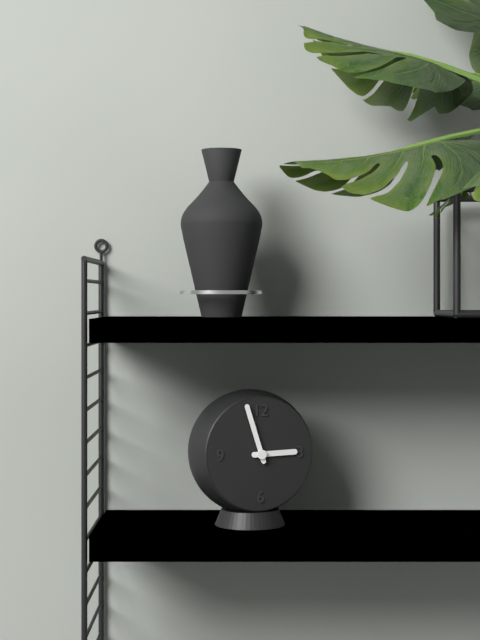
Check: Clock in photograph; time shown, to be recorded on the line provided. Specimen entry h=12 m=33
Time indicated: h=2 m=57
